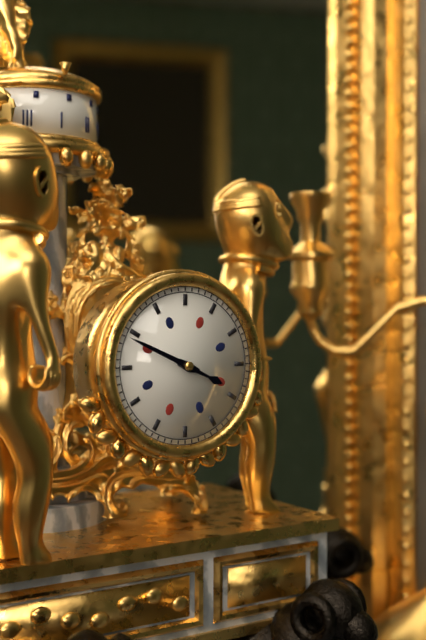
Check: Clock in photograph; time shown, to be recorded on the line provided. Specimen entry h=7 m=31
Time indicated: h=3 m=49
